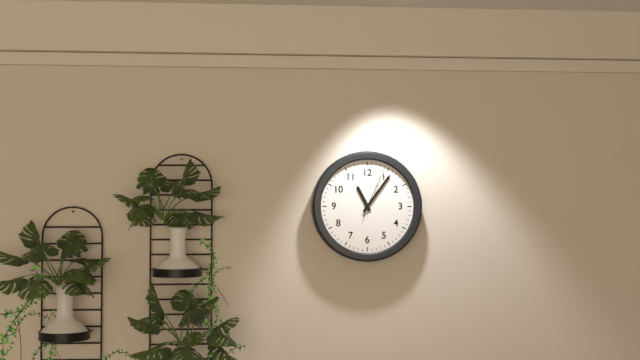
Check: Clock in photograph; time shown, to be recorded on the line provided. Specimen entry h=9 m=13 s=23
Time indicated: h=11 m=6 s=4
